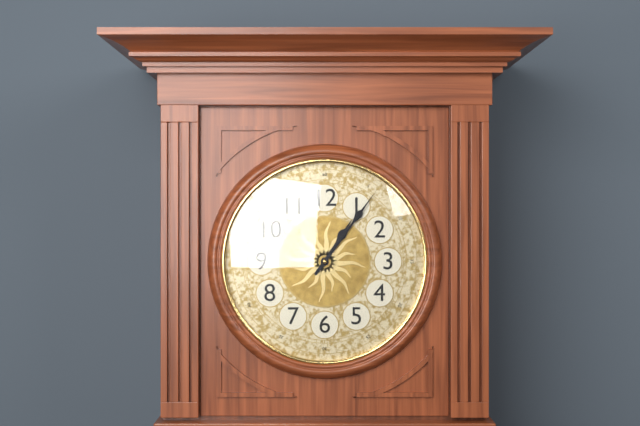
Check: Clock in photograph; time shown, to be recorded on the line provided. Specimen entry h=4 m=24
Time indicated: h=1 m=6
